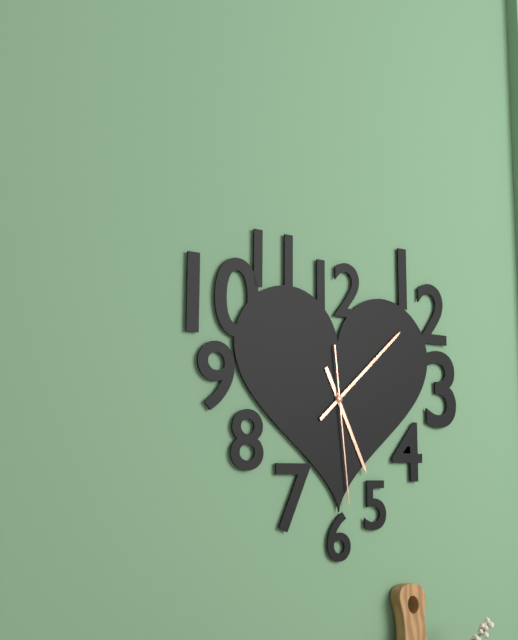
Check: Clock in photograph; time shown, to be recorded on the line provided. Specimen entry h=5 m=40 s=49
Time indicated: h=5 m=8 s=29
